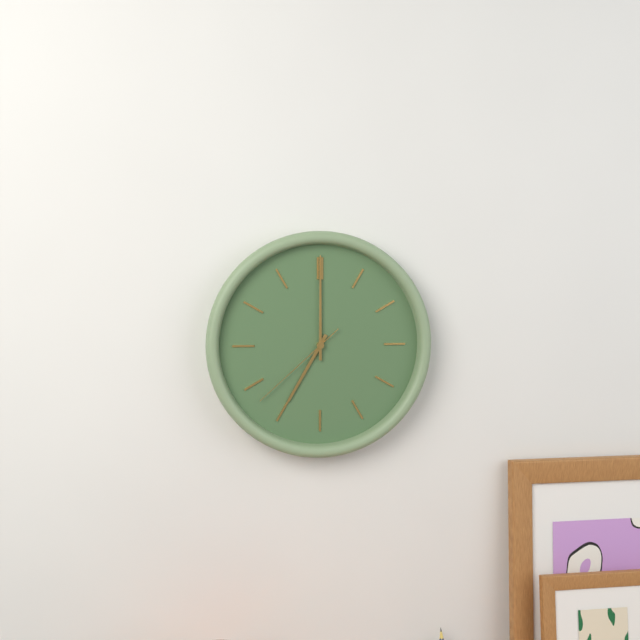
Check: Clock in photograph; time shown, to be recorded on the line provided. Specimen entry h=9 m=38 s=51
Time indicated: h=7 m=0 s=38
